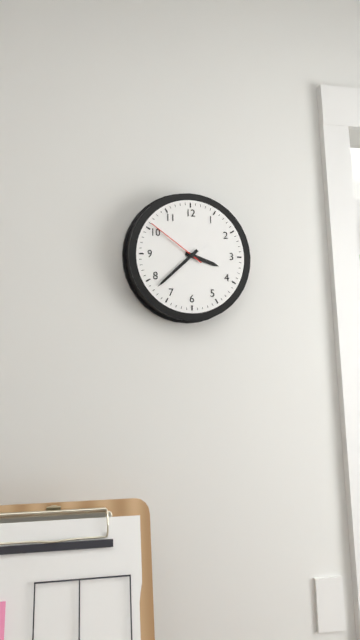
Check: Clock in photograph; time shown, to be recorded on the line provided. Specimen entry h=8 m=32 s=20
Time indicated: h=3 m=38 s=51
